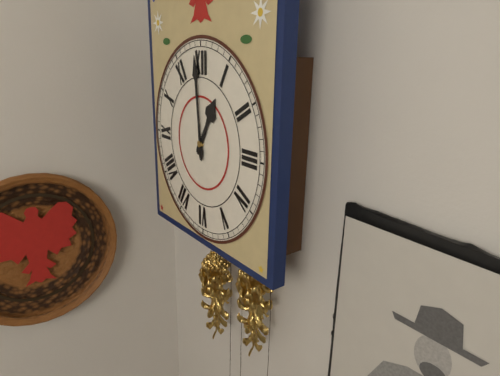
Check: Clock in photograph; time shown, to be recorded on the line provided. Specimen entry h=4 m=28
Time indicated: h=12 m=59
